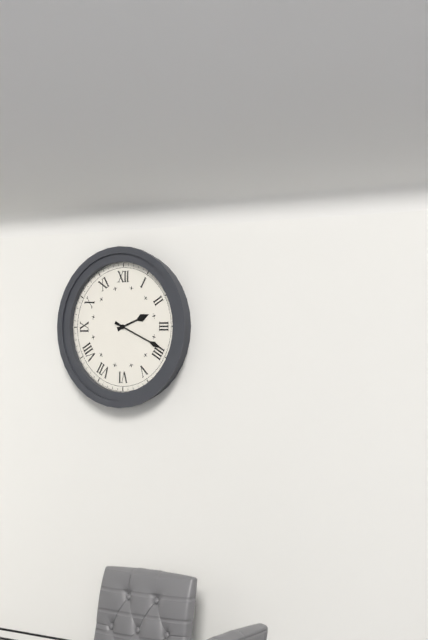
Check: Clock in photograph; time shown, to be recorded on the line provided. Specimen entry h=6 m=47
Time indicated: h=2 m=19
